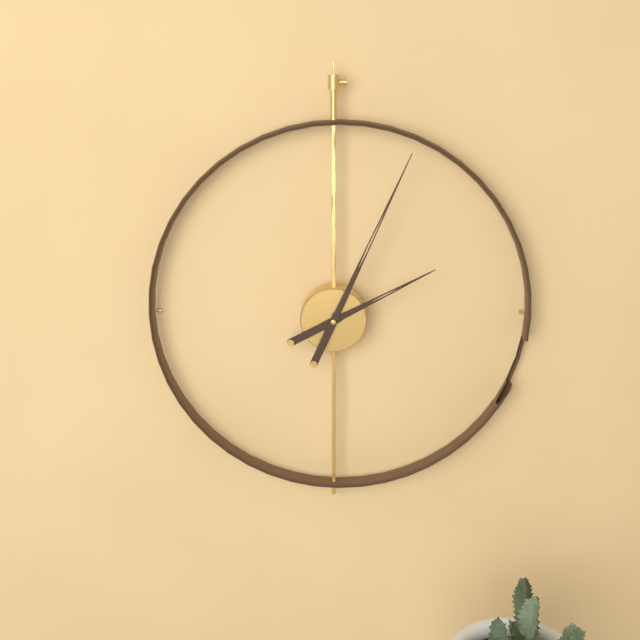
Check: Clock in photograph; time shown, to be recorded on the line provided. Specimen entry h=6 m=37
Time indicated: h=2 m=4
